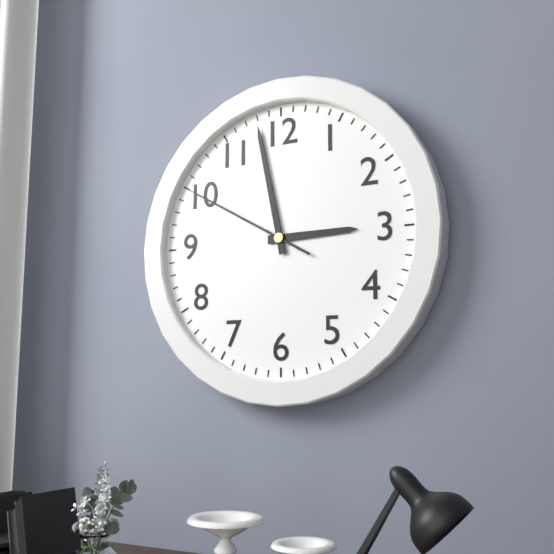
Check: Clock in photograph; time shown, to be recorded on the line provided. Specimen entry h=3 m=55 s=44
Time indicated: h=2 m=58 s=50
